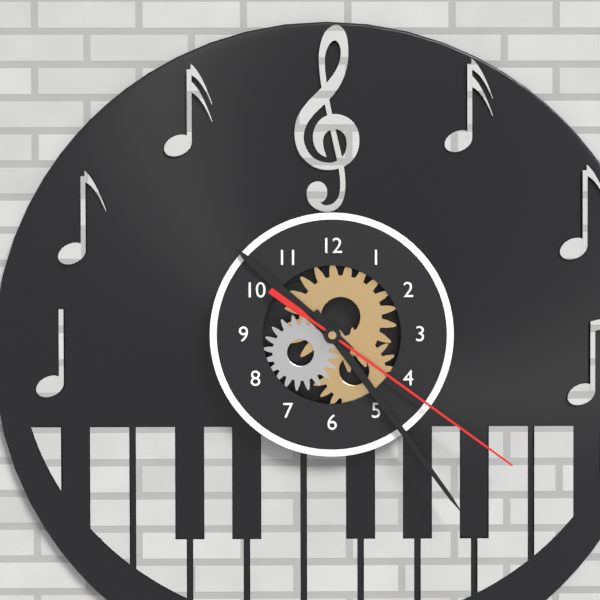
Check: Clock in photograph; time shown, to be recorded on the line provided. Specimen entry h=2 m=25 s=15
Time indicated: h=10 m=24 s=21
